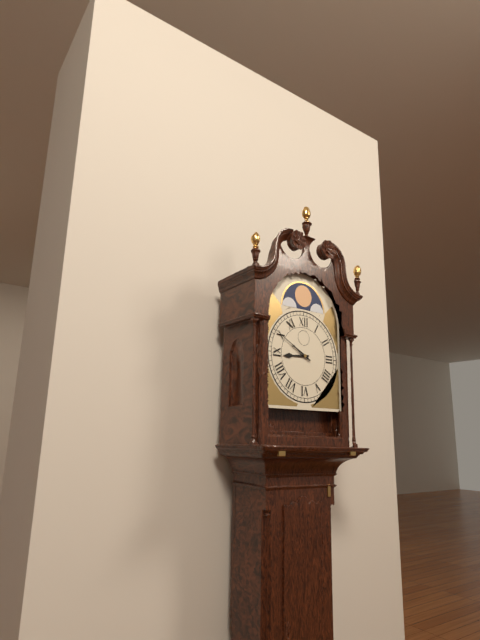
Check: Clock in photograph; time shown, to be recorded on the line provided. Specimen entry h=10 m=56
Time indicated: h=8 m=50
